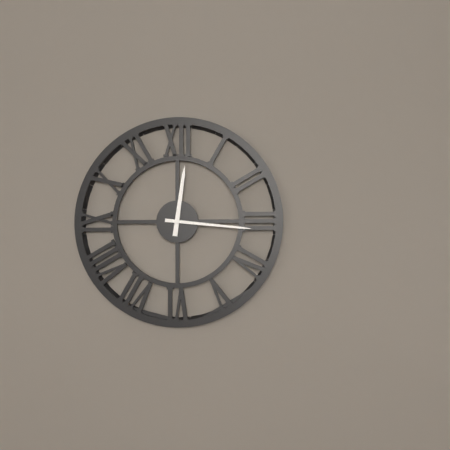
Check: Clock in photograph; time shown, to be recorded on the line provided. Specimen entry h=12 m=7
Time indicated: h=12 m=16
